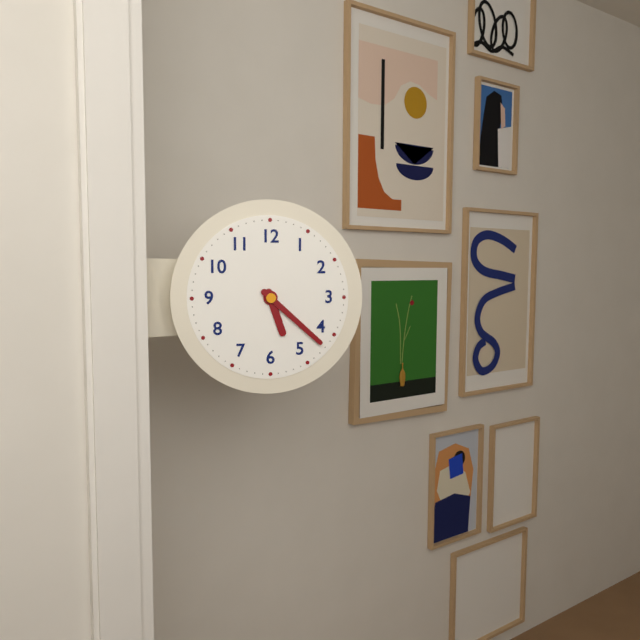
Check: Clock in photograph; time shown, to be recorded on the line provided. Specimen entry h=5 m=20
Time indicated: h=5 m=22
